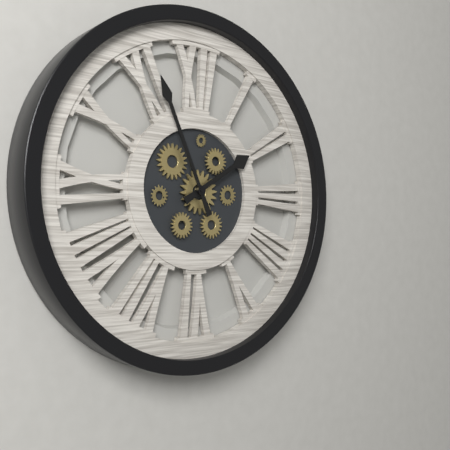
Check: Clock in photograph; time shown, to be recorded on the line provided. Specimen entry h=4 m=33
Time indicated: h=1 m=56
